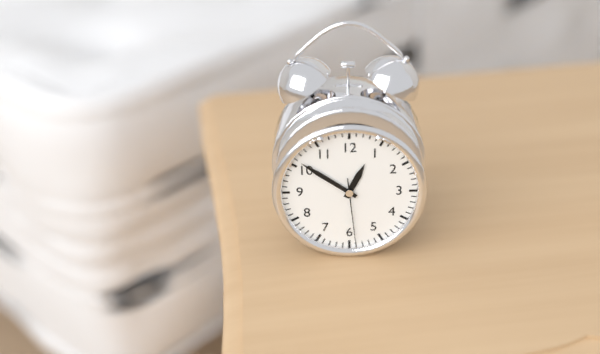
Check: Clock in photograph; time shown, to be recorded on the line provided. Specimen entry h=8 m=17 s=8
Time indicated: h=12 m=51 s=29
